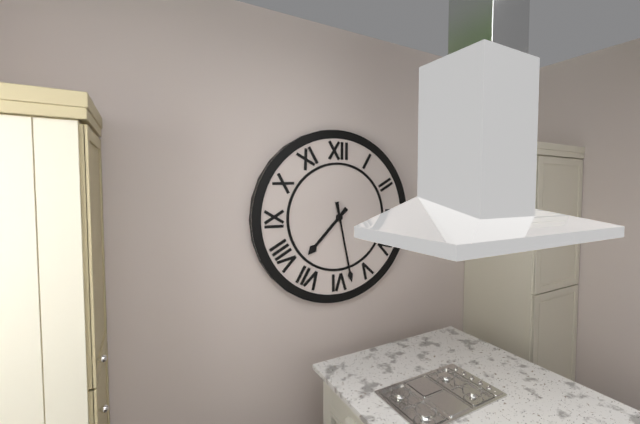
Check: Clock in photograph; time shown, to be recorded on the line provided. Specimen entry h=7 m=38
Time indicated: h=7 m=28
